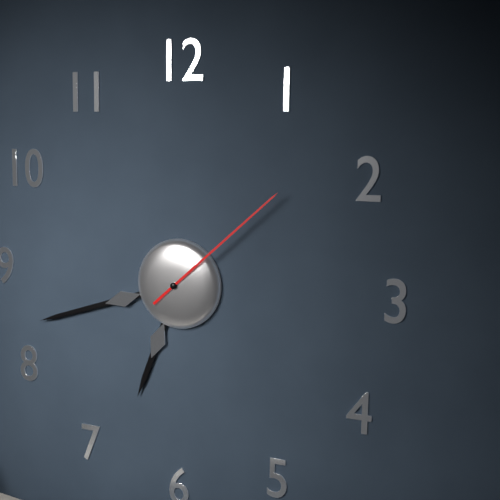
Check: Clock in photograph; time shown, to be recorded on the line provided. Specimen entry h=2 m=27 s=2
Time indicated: h=6 m=42 s=8
